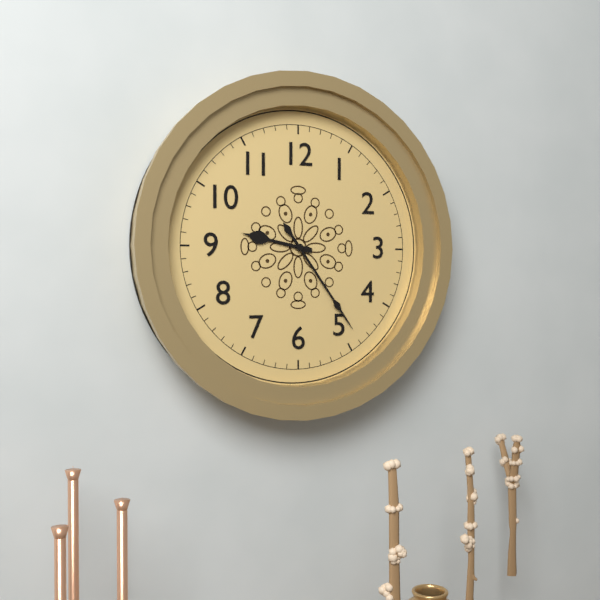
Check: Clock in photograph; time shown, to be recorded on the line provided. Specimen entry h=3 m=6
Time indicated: h=9 m=24
